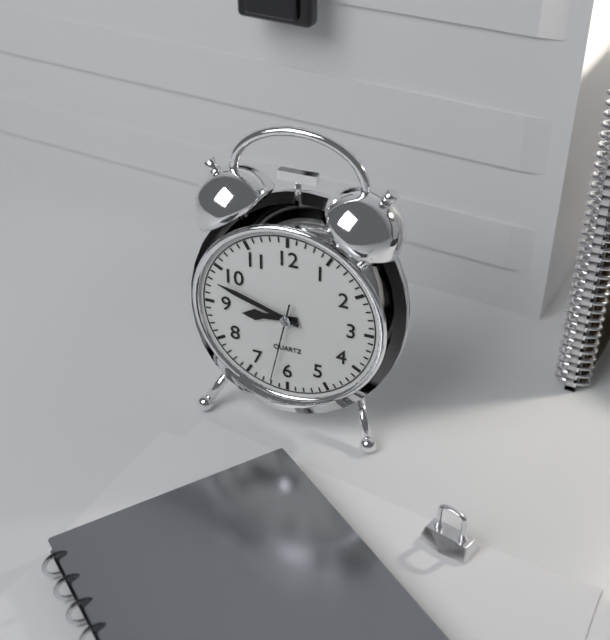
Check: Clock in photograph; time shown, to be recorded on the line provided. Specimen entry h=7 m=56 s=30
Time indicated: h=8 m=48 s=32
